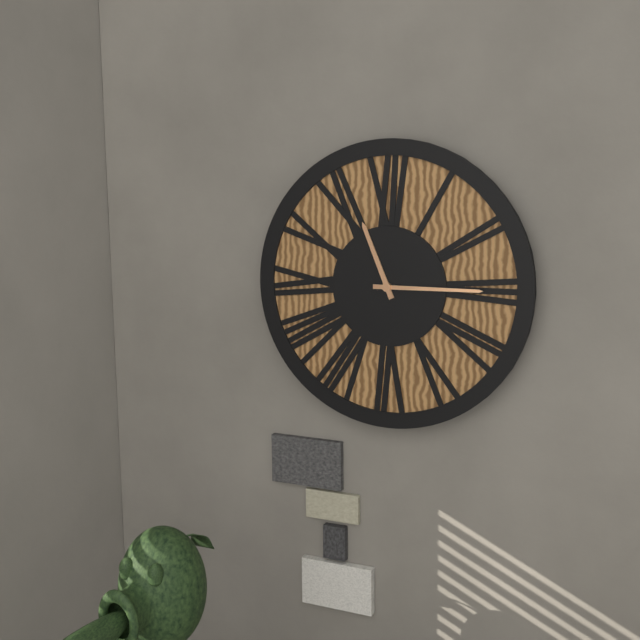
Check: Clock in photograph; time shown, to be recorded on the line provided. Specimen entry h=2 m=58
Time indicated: h=11 m=15
